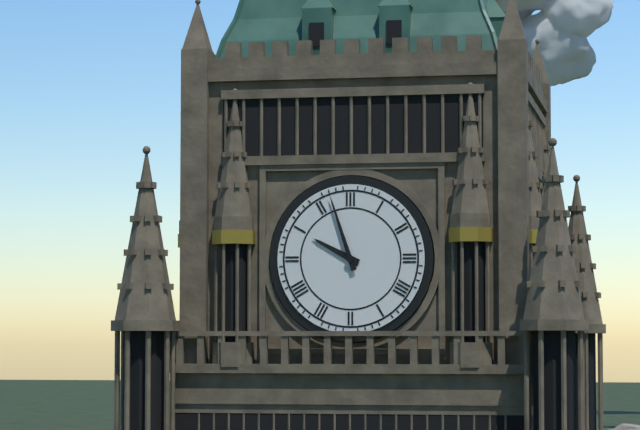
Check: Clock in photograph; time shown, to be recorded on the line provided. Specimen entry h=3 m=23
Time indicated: h=9 m=57
